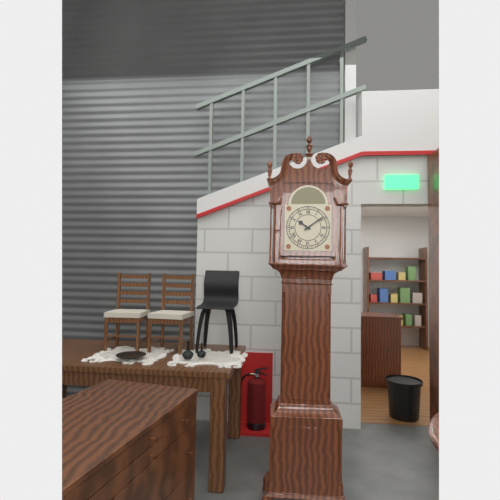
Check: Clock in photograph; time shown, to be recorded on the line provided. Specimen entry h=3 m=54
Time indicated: h=10 m=9
